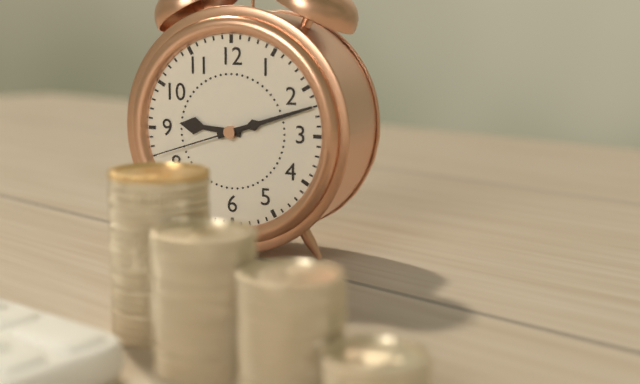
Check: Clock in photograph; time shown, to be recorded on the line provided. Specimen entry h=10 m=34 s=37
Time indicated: h=9 m=12 s=42
